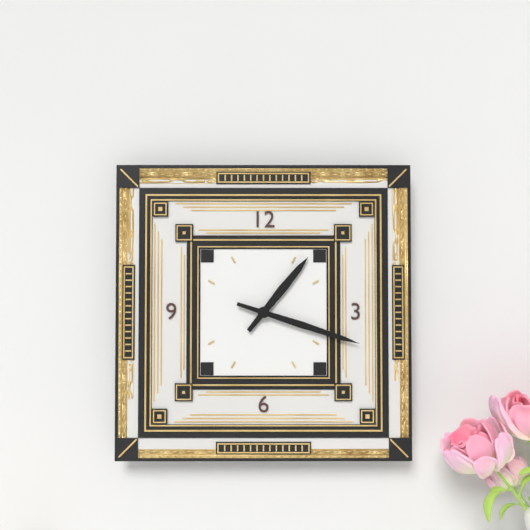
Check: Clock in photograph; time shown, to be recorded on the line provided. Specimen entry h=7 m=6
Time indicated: h=1 m=18
